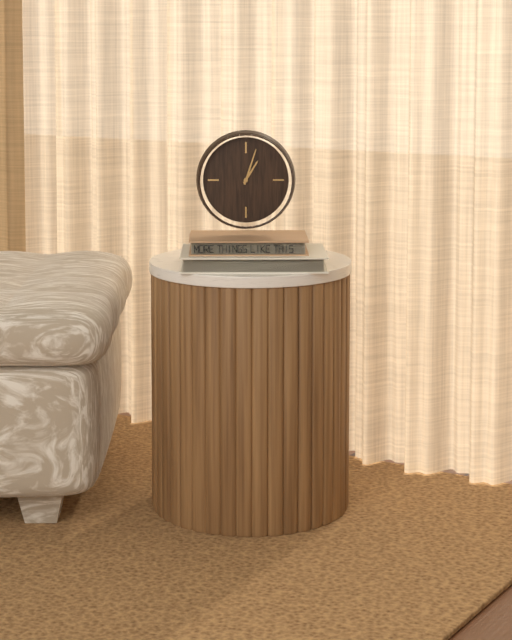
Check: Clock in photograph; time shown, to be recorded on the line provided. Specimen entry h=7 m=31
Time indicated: h=1 m=3
